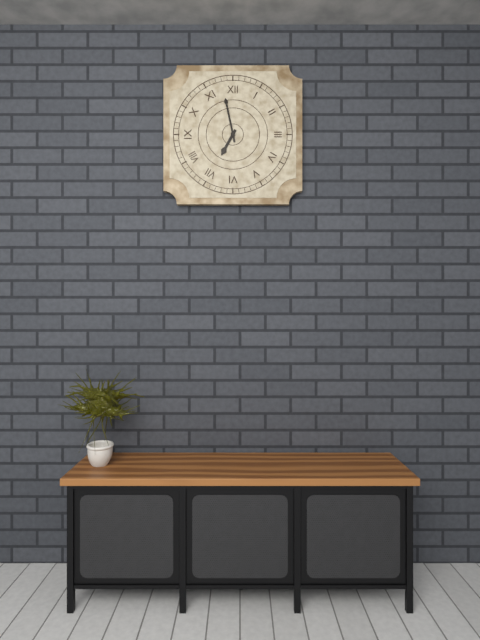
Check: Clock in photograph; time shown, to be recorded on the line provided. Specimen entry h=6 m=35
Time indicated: h=6 m=58
